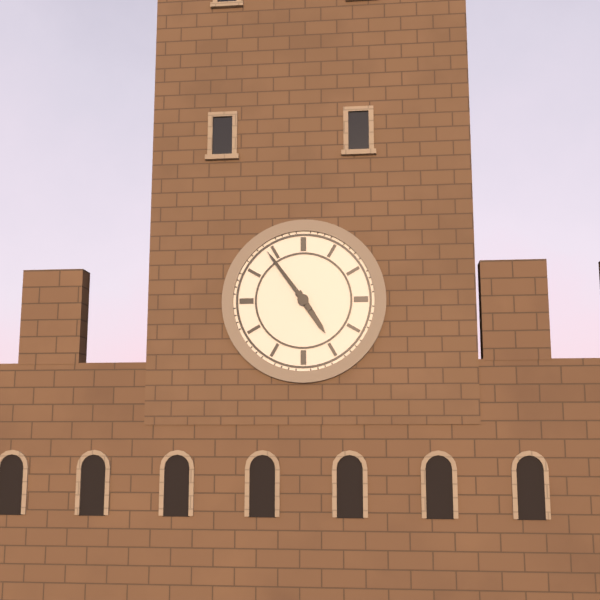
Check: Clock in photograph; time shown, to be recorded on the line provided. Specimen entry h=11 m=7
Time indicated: h=4 m=54
